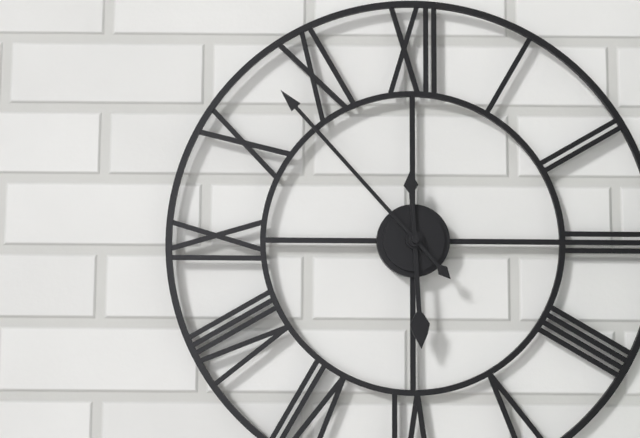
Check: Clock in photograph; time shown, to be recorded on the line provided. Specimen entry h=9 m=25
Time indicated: h=5 m=53
